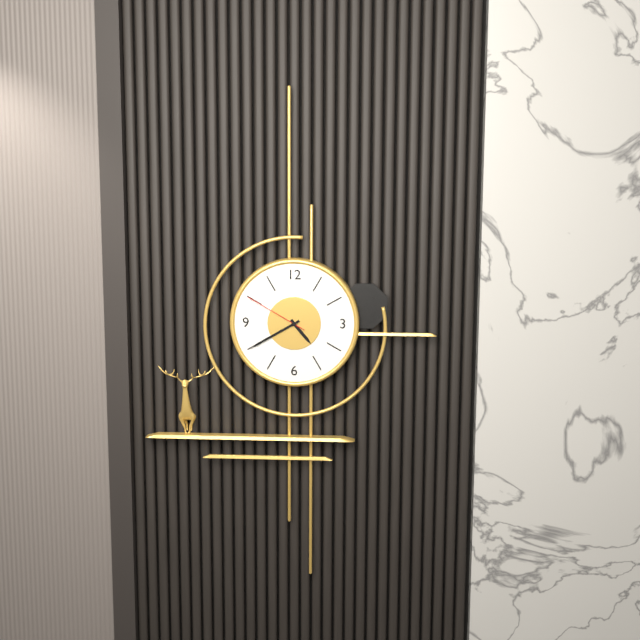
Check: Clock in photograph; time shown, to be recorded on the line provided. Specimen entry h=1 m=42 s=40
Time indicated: h=4 m=40 s=50
